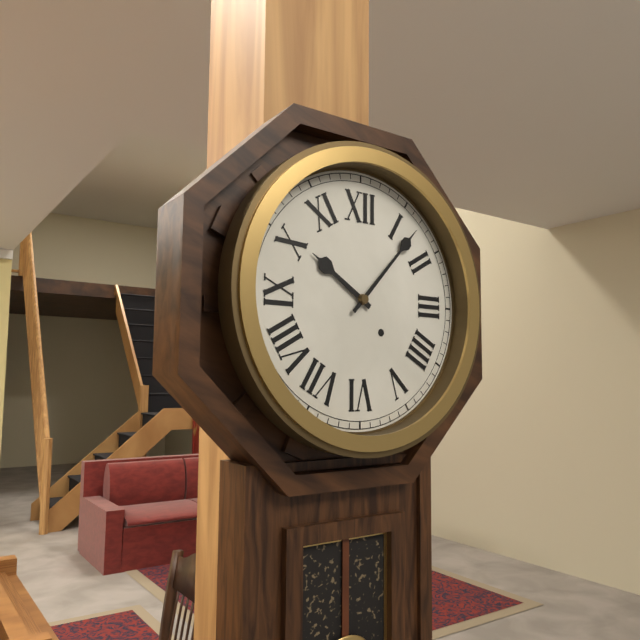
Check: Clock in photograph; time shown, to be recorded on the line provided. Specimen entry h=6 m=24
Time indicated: h=10 m=7
